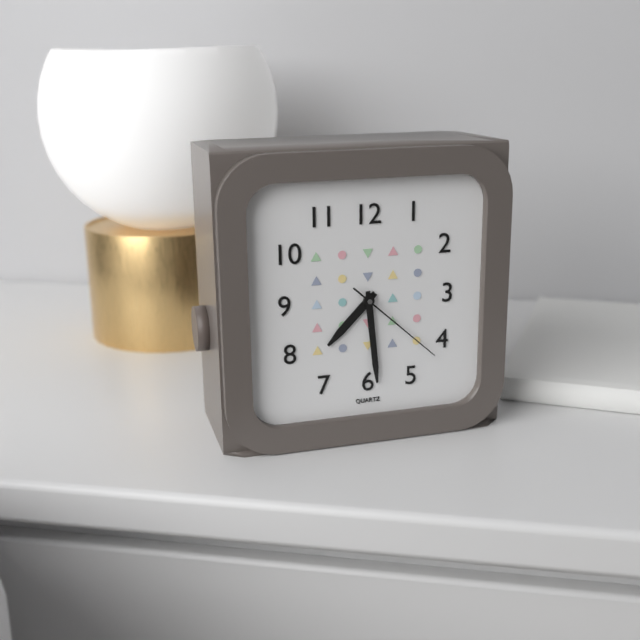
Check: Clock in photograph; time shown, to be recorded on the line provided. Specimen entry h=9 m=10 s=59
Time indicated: h=7 m=29 s=22
